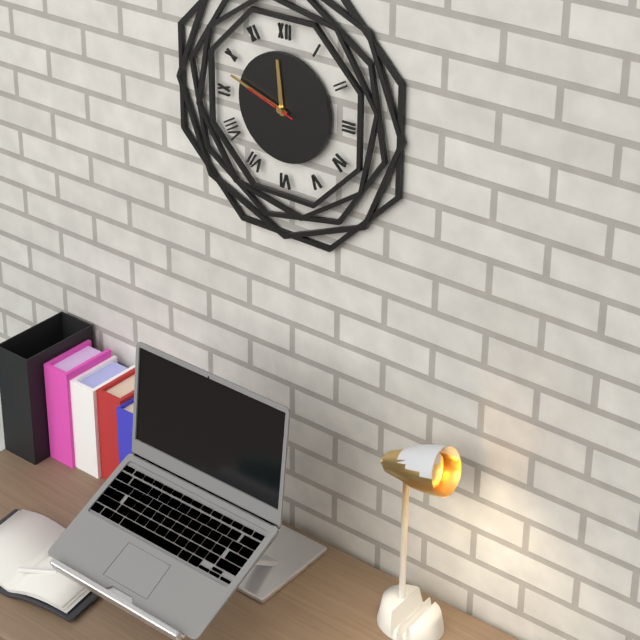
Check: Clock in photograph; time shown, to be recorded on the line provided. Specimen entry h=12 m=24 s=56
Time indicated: h=11 m=48 s=48
